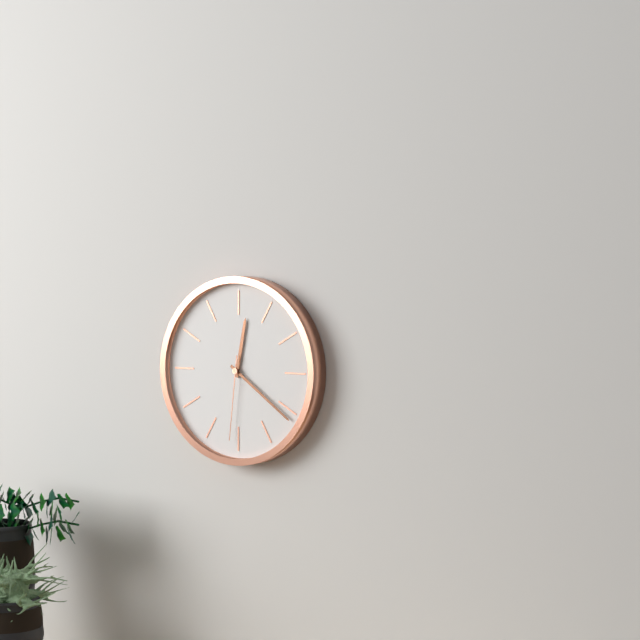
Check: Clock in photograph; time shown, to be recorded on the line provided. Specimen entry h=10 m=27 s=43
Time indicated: h=12 m=21 s=31
